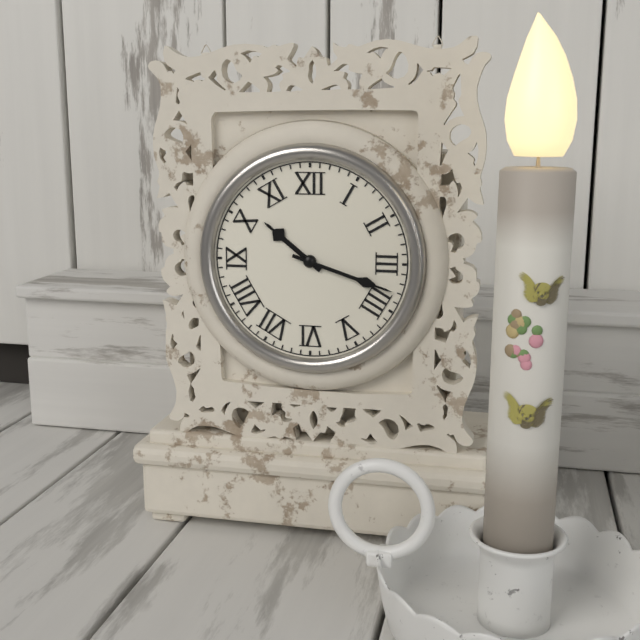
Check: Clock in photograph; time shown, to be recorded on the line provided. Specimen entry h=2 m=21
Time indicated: h=10 m=18
